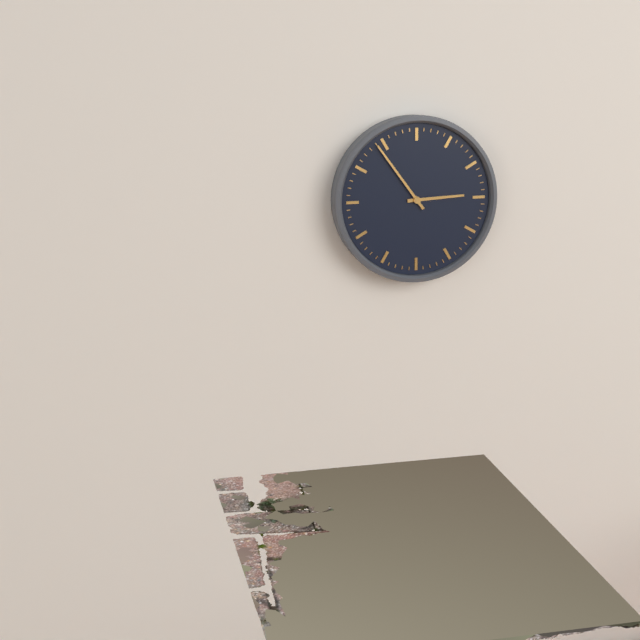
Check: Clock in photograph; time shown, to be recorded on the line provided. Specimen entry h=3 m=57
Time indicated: h=2 m=54
